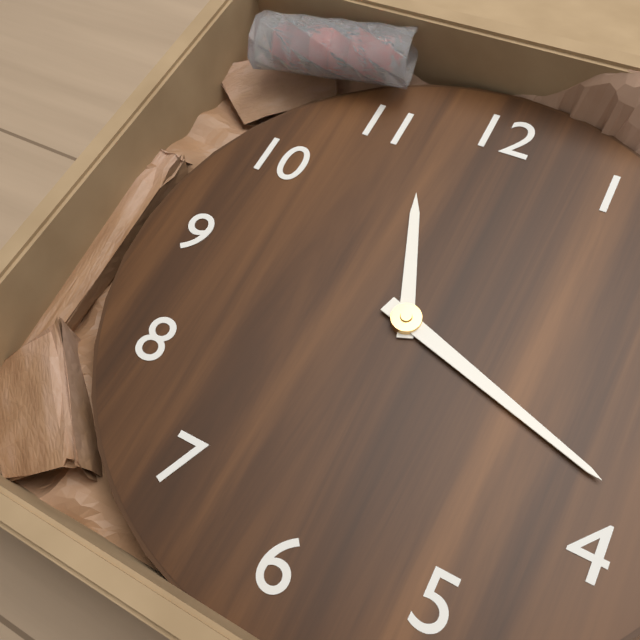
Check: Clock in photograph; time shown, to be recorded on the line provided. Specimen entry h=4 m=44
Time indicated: h=11 m=18
